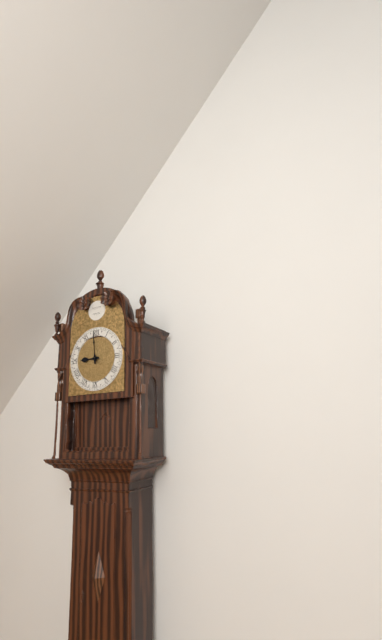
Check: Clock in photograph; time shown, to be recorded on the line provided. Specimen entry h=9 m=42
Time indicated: h=8 m=59
